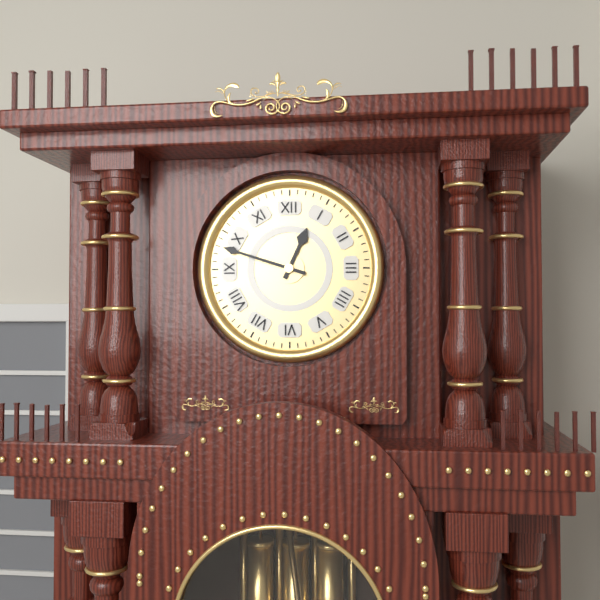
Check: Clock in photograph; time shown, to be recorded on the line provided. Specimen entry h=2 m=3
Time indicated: h=12 m=48
